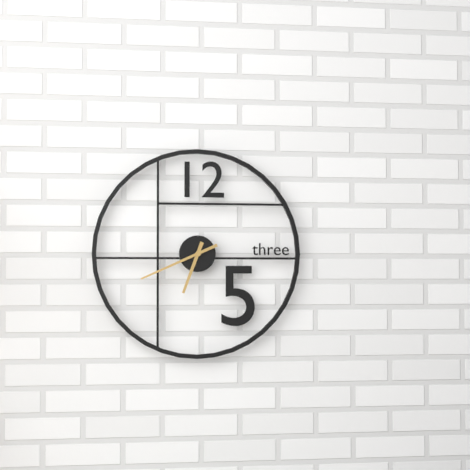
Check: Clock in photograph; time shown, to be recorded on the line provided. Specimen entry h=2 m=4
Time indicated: h=6 m=41
